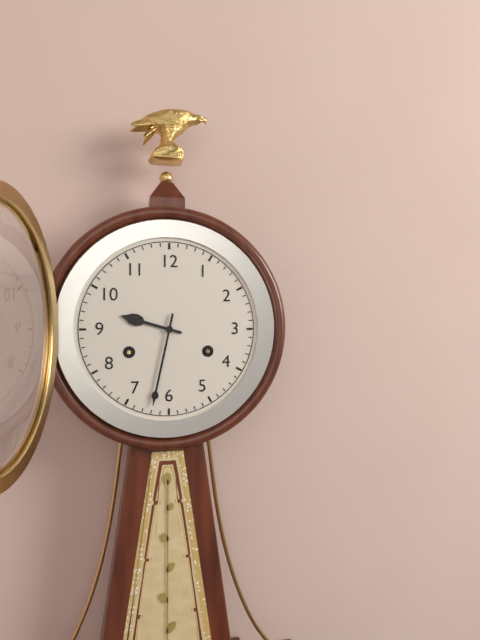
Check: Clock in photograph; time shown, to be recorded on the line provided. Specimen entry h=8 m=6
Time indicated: h=9 m=32
